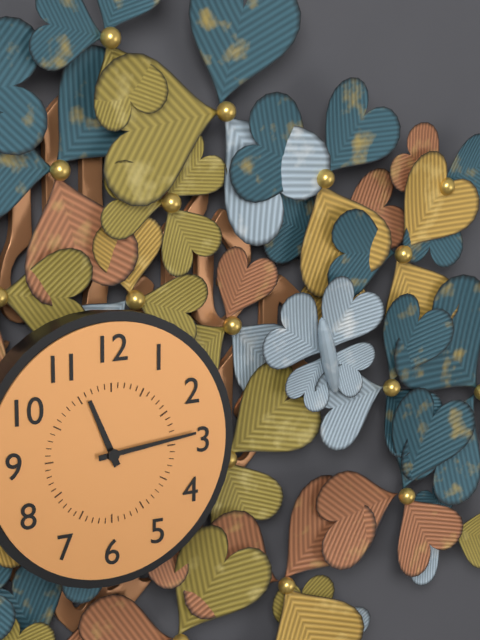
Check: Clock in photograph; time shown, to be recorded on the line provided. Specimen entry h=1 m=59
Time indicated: h=11 m=14
